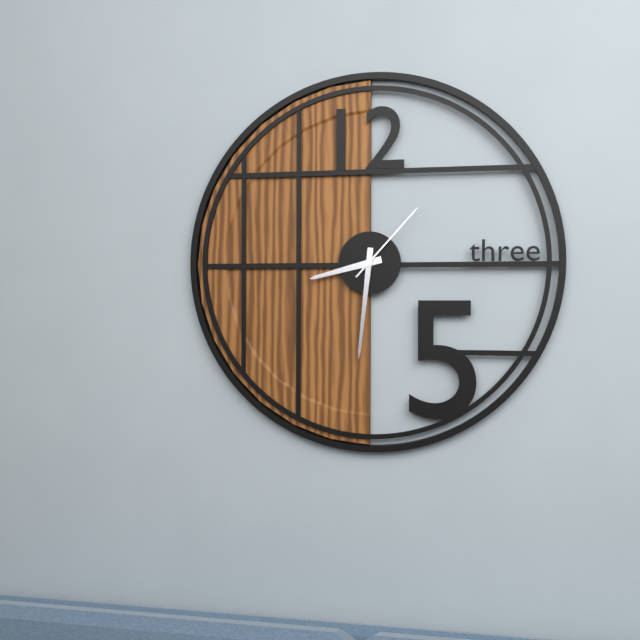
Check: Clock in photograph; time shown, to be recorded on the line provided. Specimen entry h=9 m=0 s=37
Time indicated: h=8 m=31 s=7
